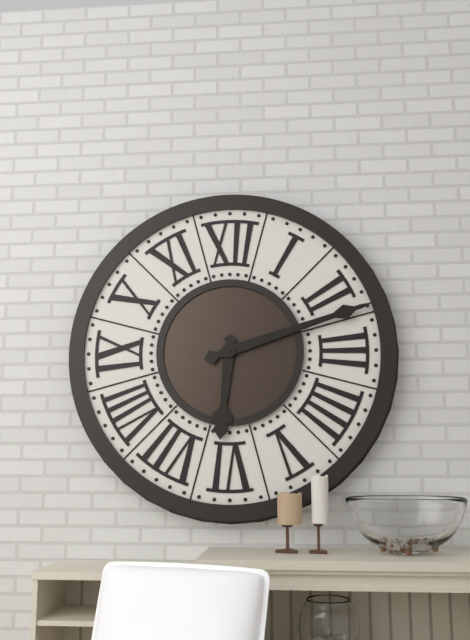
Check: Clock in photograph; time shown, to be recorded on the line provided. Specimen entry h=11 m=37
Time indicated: h=6 m=12
